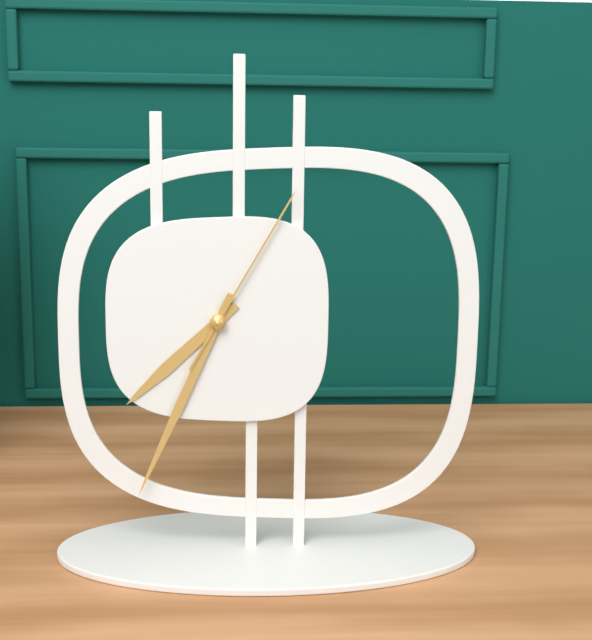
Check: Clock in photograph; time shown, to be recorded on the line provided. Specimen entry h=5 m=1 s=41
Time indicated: h=7 m=34 s=5
